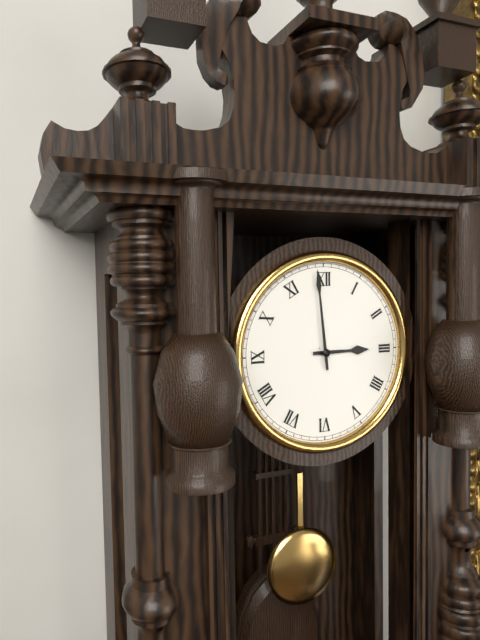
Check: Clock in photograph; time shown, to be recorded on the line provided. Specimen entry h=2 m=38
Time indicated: h=2 m=59
